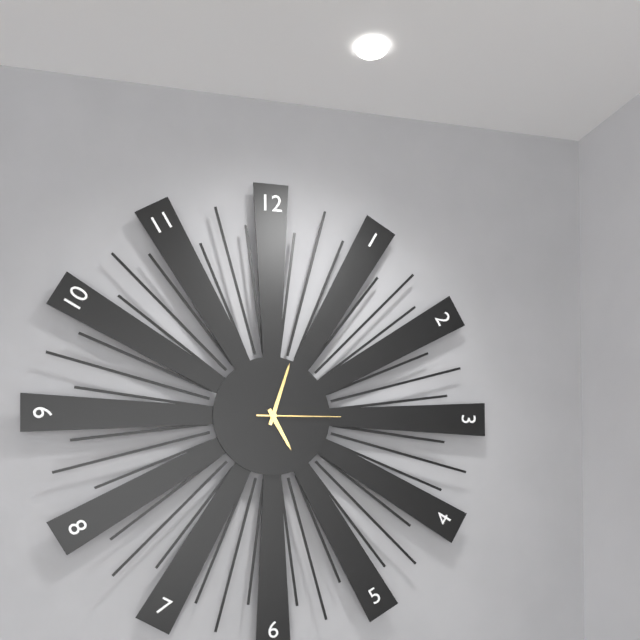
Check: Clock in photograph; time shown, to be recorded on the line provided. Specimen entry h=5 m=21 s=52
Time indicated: h=5 m=3 s=15
